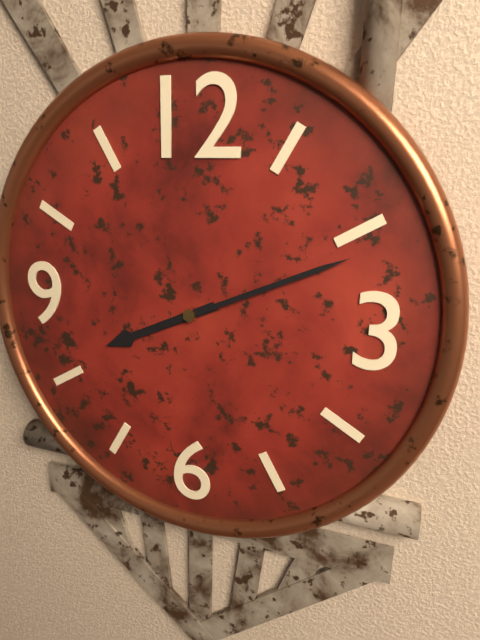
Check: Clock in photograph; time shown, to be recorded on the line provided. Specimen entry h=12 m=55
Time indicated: h=8 m=11
